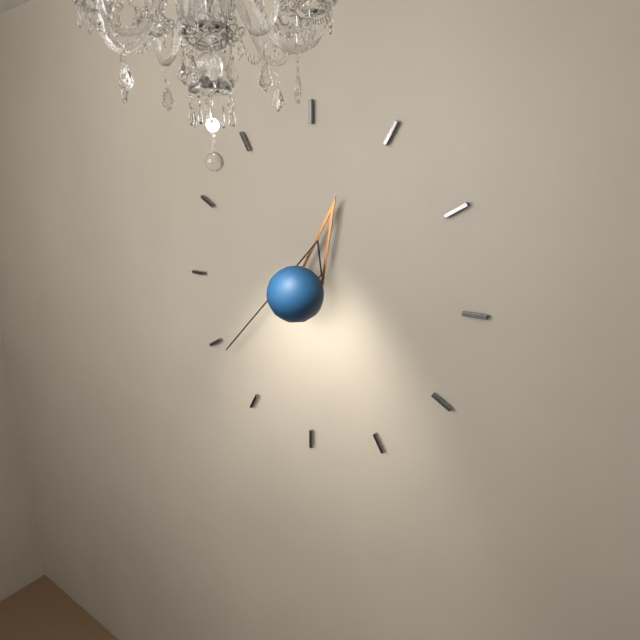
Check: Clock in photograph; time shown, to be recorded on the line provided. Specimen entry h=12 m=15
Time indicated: h=12 m=39
